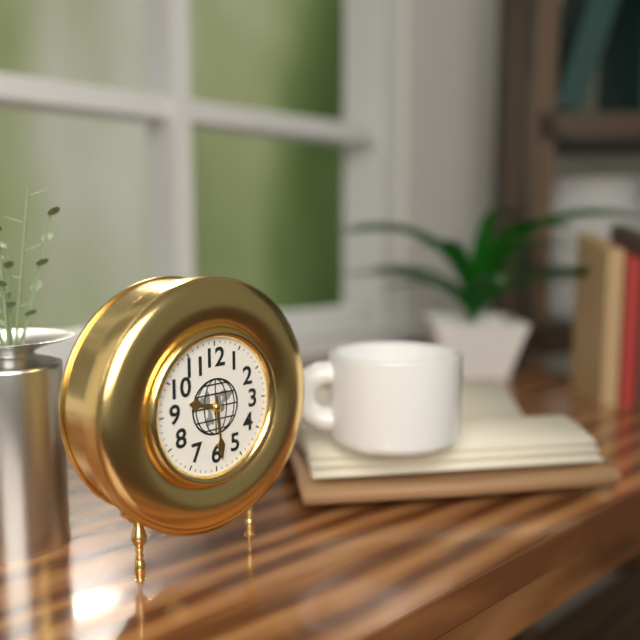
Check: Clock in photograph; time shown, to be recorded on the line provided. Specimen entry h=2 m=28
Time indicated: h=9 m=29
